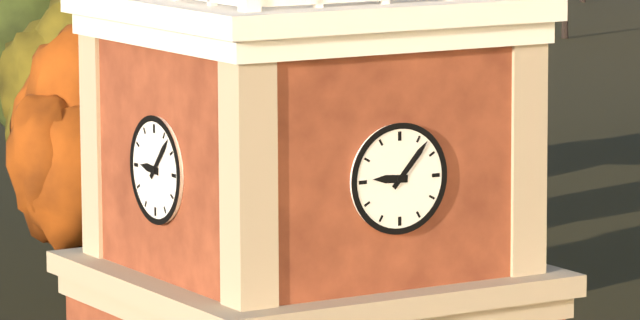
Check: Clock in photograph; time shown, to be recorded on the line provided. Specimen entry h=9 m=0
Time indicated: h=9 m=7
